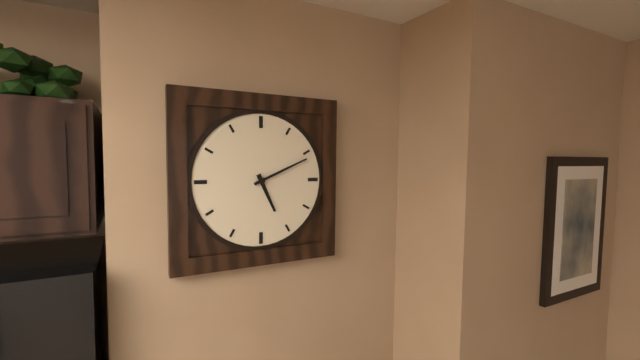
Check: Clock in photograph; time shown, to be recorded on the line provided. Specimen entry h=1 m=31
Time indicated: h=5 m=11
